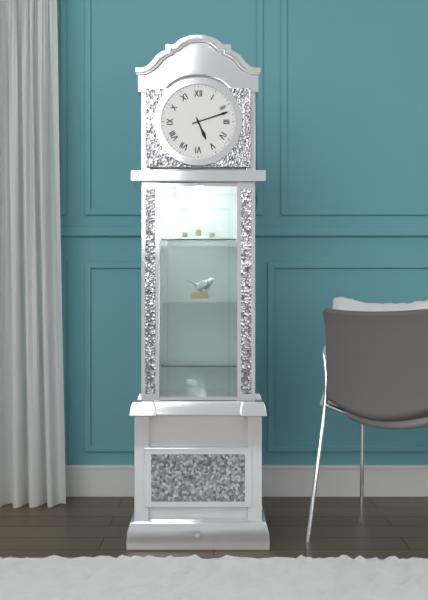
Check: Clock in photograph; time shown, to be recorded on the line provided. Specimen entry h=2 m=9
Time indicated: h=5 m=12
